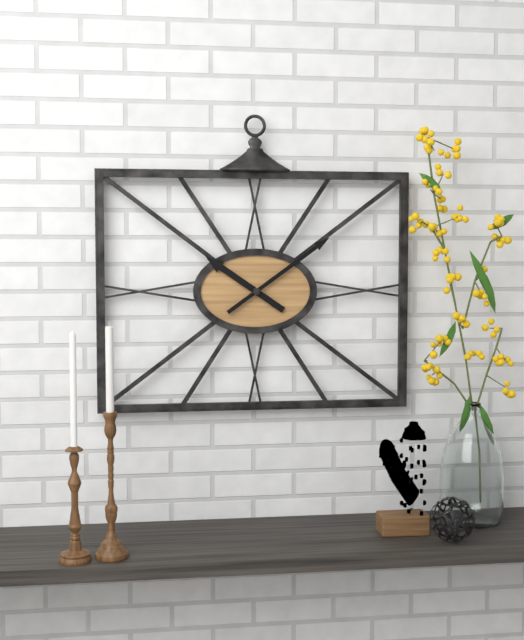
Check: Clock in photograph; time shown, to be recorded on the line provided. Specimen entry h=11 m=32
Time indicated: h=10 m=9
